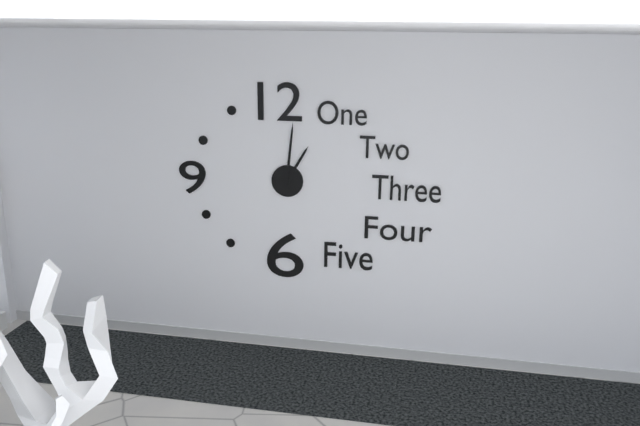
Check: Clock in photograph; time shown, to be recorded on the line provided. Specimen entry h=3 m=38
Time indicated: h=1 m=1
